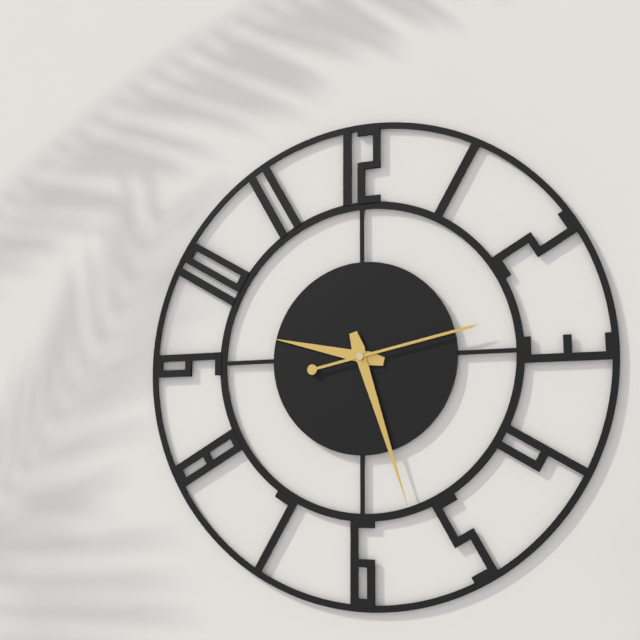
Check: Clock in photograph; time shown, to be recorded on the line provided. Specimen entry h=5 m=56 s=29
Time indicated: h=9 m=27 s=13
